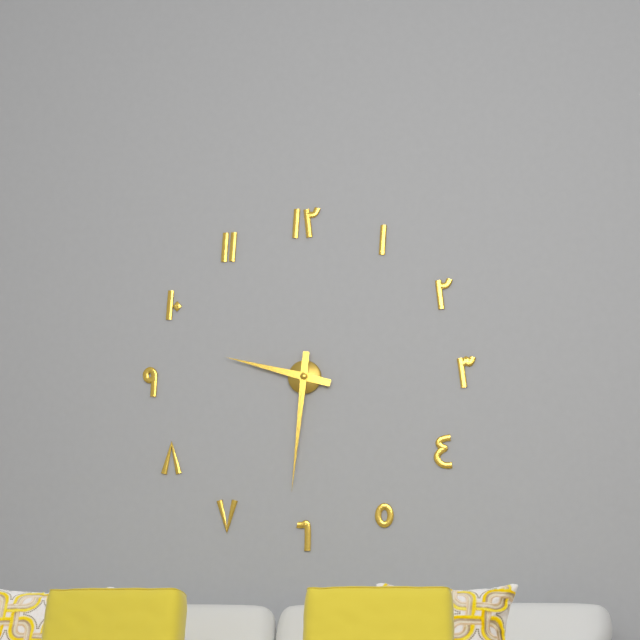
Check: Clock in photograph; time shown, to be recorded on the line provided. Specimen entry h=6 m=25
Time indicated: h=9 m=31
